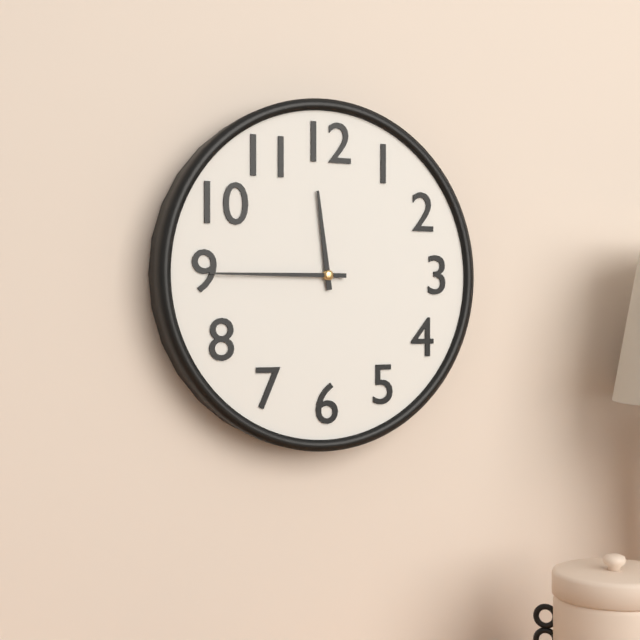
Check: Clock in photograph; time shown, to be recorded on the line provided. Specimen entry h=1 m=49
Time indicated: h=11 m=45
